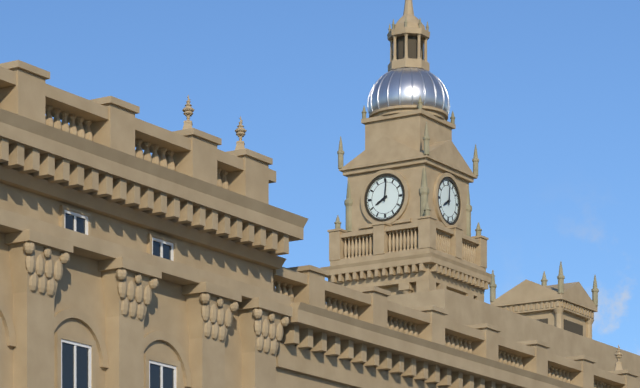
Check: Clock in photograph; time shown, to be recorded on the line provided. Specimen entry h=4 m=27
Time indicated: h=8 m=1
